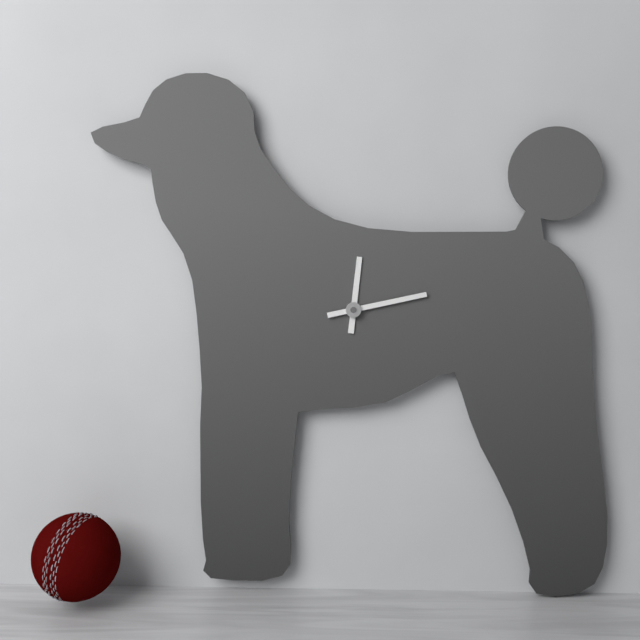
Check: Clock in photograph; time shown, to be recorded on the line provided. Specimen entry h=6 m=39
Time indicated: h=12 m=13
